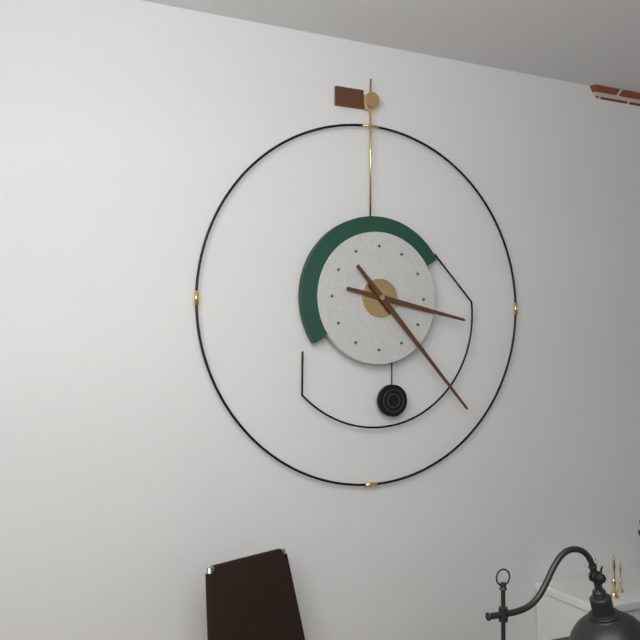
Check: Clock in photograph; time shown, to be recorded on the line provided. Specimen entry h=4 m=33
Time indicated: h=3 m=23
